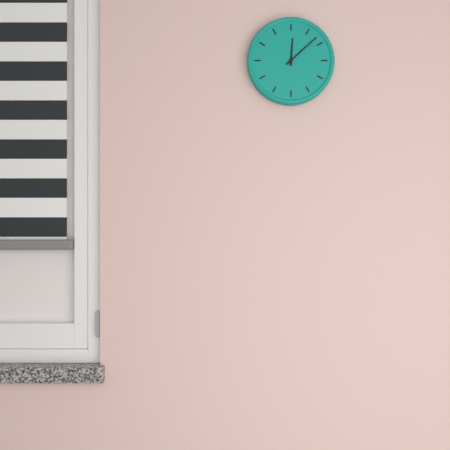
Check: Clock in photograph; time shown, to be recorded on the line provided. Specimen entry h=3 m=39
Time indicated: h=12 m=8
